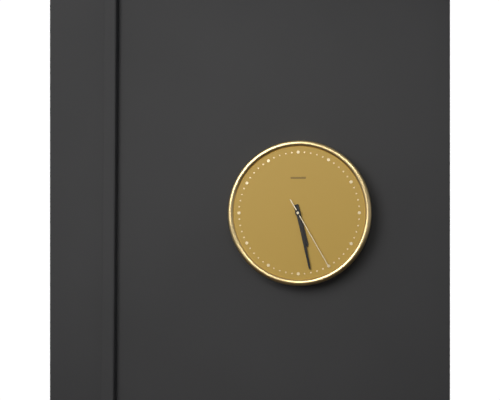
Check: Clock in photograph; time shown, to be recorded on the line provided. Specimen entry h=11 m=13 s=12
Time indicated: h=5 m=28 s=25
